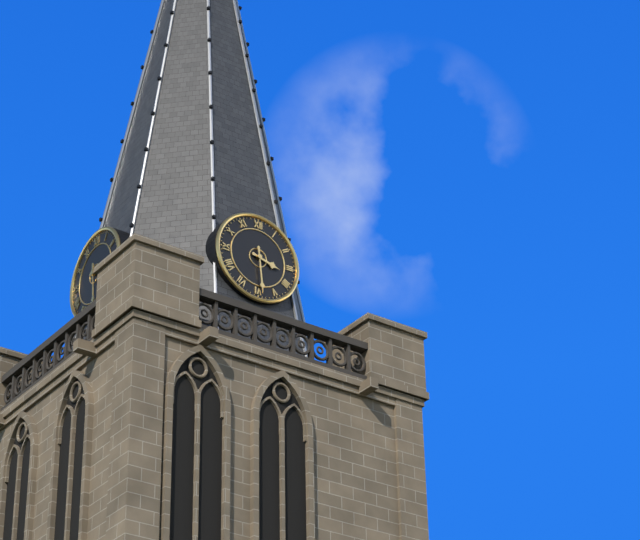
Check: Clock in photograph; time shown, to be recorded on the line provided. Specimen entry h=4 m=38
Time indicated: h=3 m=29
